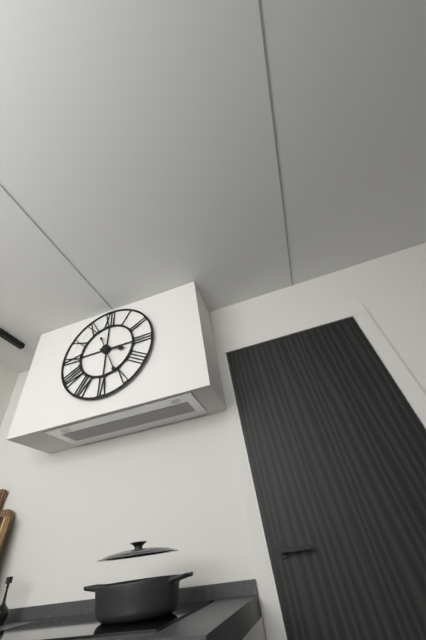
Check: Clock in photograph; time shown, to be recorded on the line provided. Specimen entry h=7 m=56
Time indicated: h=3 m=26
